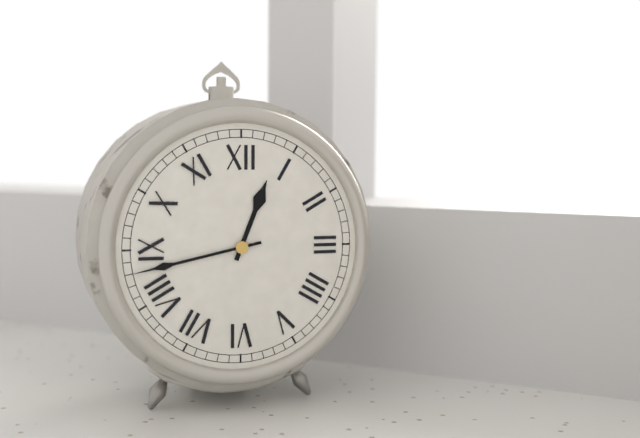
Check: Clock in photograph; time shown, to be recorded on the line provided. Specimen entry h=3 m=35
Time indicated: h=12 m=43
